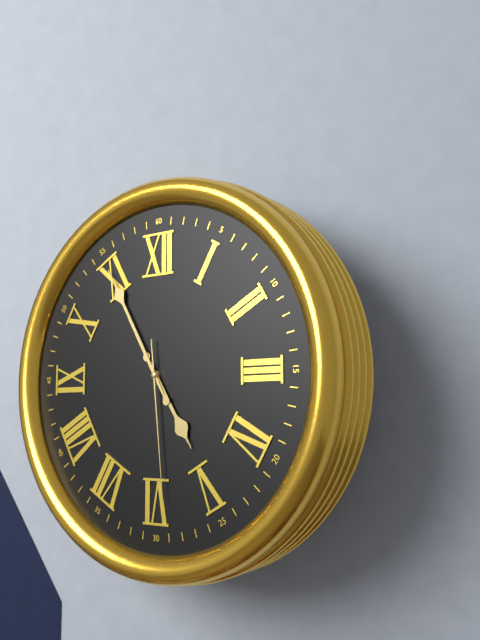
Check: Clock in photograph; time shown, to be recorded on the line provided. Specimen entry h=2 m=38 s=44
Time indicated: h=4 m=55 s=29
